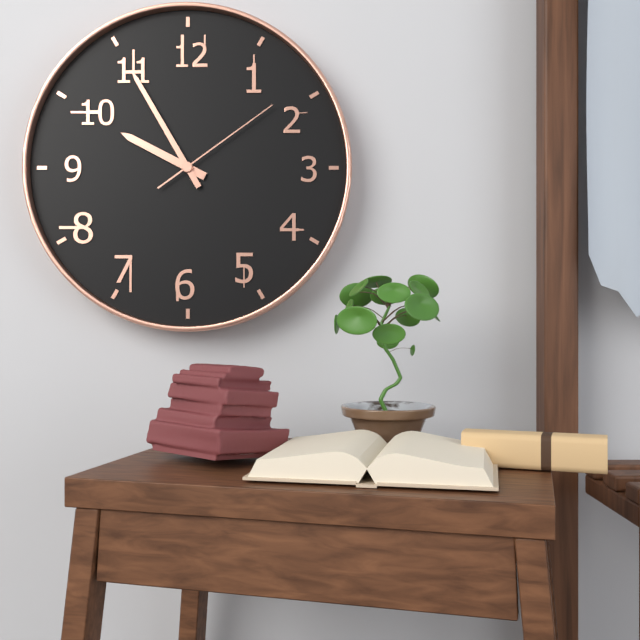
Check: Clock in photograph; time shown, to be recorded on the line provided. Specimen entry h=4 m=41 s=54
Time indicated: h=9 m=55 s=9
